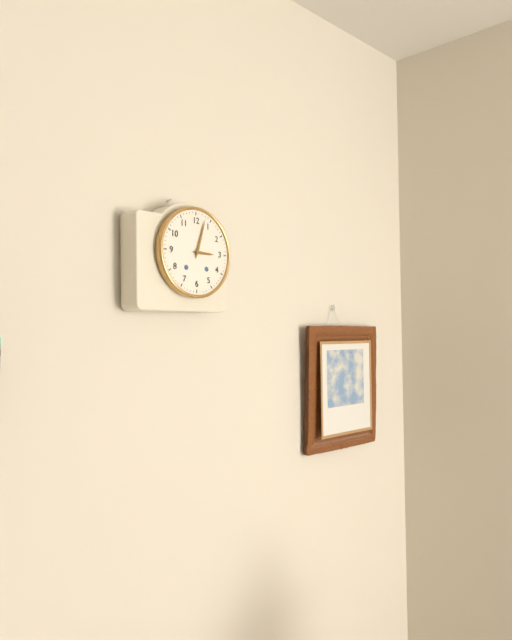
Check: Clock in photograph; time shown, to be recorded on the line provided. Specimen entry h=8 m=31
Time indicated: h=3 m=3
